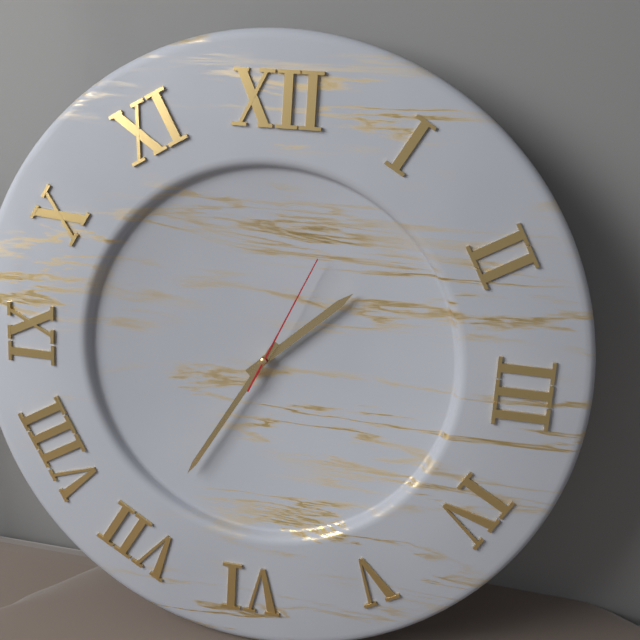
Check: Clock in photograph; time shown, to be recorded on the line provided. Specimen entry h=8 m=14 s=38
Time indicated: h=1 m=35 s=4
